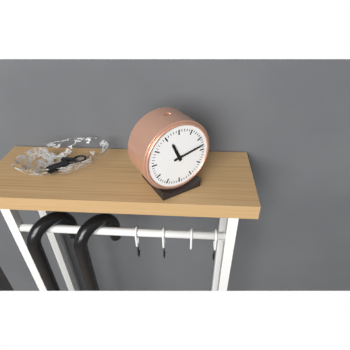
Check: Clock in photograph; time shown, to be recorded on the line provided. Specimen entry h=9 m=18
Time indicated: h=11 m=13
